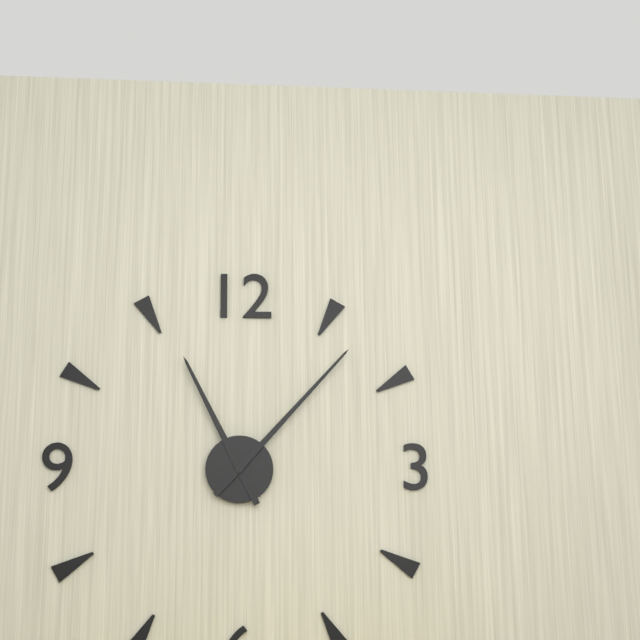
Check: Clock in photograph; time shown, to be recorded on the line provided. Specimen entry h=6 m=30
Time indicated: h=11 m=7
